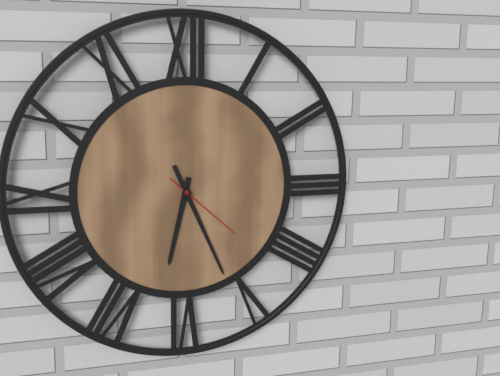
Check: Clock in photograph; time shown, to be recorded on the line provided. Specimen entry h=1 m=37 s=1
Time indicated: h=6 m=26 s=22
